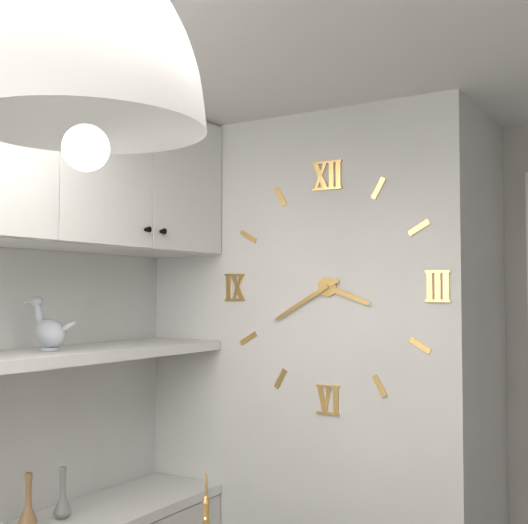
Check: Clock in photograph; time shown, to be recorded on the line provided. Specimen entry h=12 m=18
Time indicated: h=3 m=40
